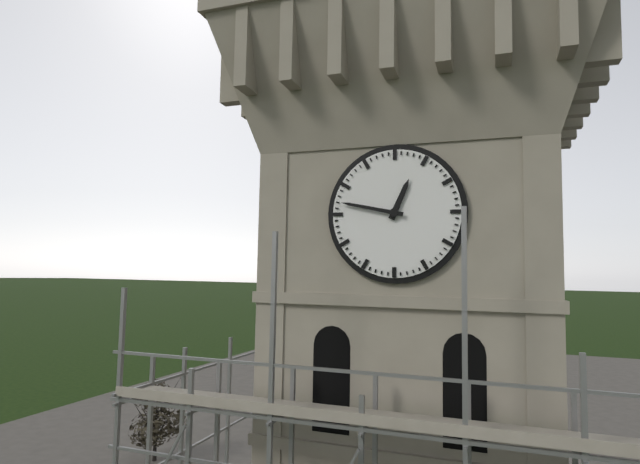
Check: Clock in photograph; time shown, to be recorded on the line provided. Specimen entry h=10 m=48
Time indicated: h=12 m=47
